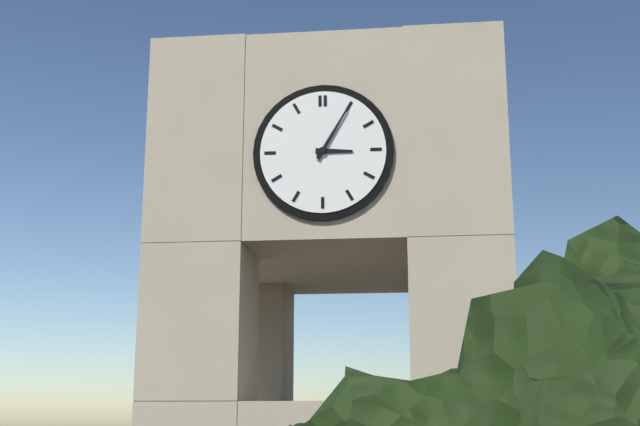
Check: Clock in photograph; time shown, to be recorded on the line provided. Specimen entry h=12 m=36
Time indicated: h=3 m=5
